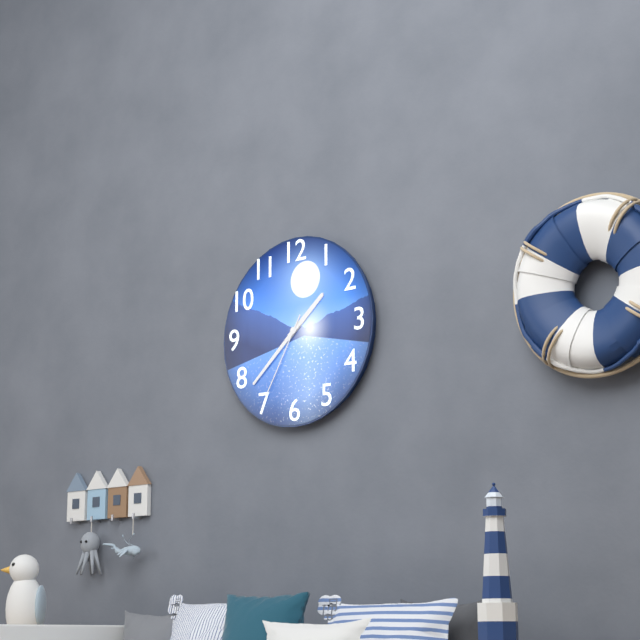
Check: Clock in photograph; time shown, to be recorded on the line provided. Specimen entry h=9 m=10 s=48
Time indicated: h=1 m=38 s=35
